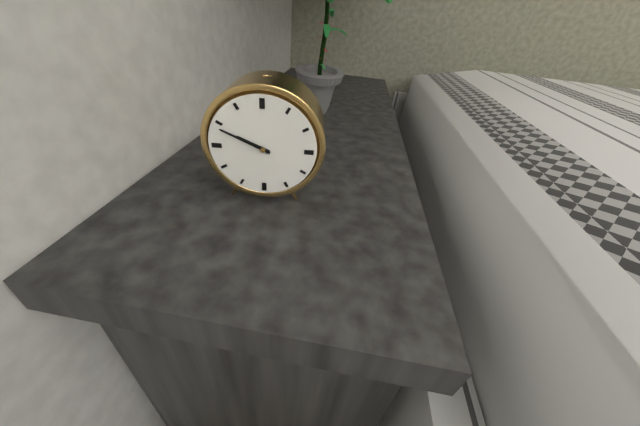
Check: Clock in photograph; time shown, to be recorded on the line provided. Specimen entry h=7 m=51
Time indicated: h=9 m=49
